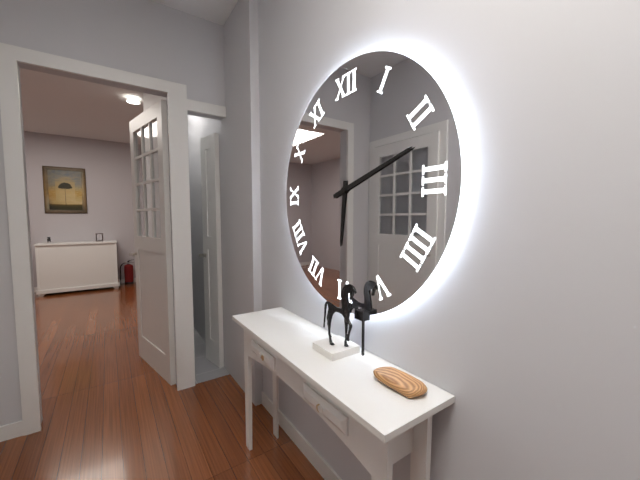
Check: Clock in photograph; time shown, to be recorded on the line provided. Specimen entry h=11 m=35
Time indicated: h=6 m=12
